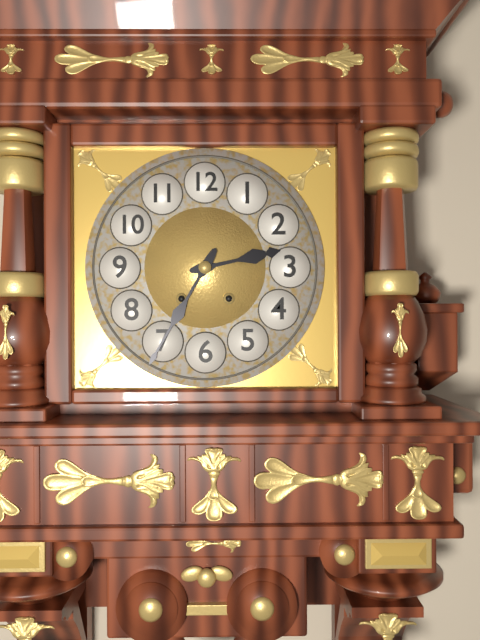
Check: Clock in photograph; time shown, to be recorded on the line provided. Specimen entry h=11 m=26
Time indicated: h=2 m=35
